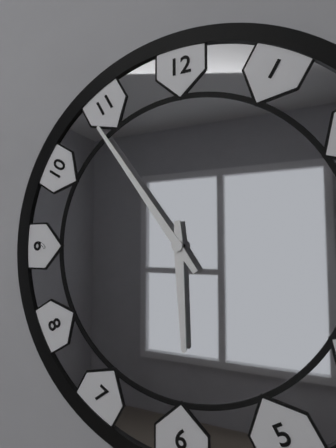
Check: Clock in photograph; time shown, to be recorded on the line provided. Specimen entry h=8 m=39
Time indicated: h=5 m=54
